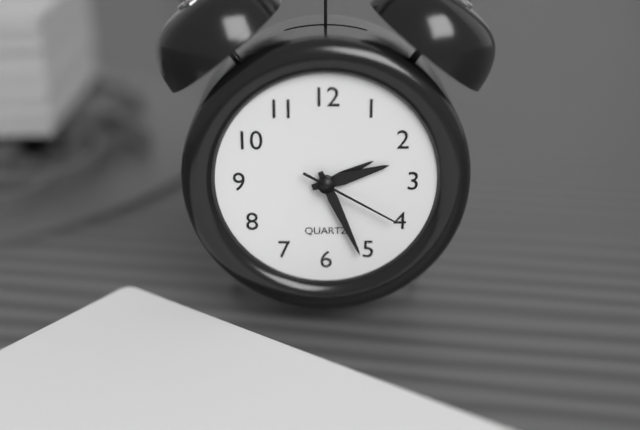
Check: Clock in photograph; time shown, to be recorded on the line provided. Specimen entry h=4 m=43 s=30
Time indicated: h=2 m=26 s=20
